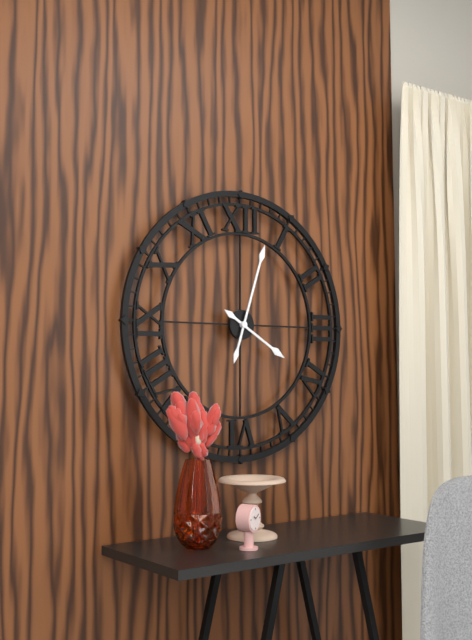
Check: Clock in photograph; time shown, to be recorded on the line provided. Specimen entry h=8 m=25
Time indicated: h=4 m=3
